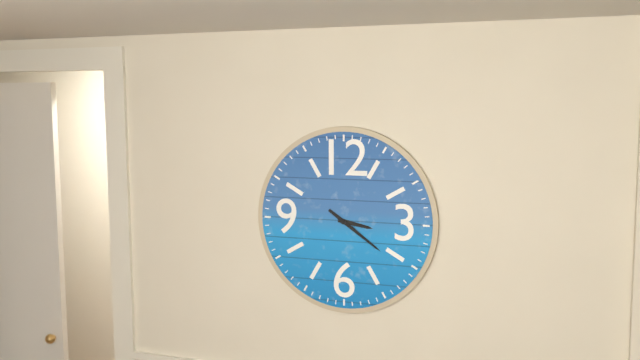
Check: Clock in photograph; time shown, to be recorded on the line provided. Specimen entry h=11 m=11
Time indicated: h=3 m=21
